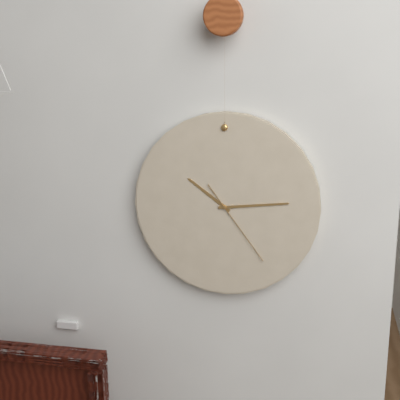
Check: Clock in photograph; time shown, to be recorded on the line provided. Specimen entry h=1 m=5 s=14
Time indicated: h=10 m=14 s=24
